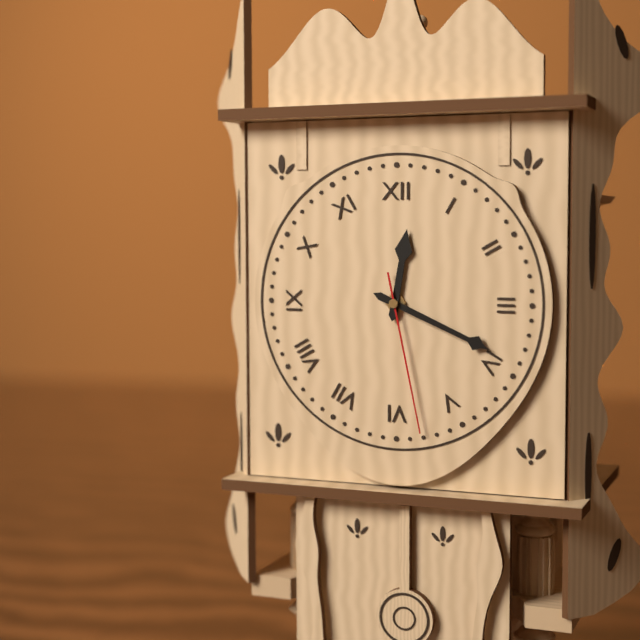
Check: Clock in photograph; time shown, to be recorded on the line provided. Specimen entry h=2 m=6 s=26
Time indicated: h=12 m=19 s=28
